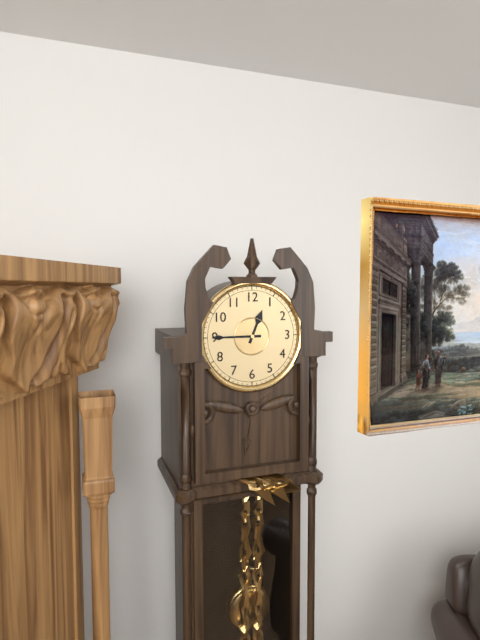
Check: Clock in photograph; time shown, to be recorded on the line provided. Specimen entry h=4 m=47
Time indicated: h=12 m=45
